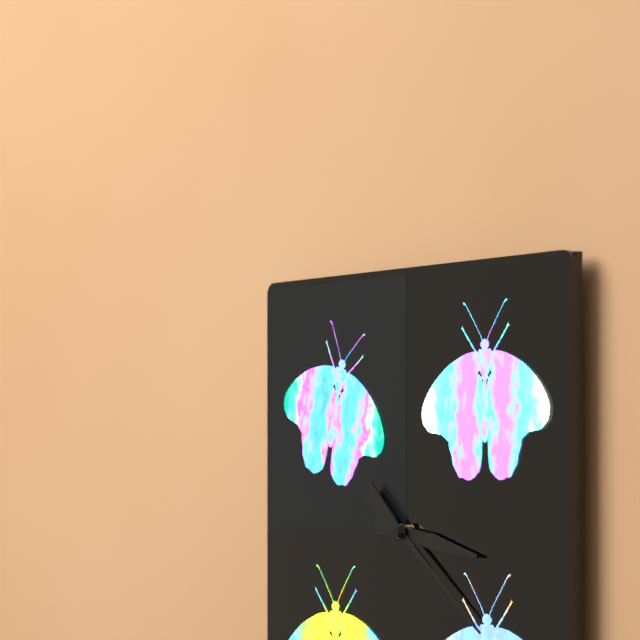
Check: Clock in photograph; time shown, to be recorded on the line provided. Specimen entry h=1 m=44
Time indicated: h=3 m=21
